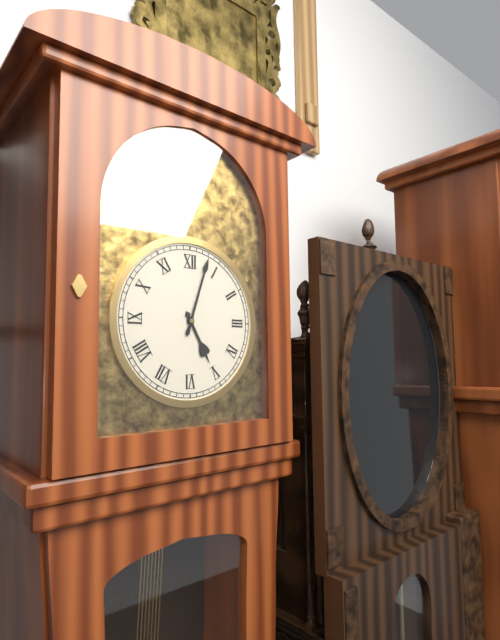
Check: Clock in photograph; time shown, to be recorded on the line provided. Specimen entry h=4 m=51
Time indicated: h=5 m=3
